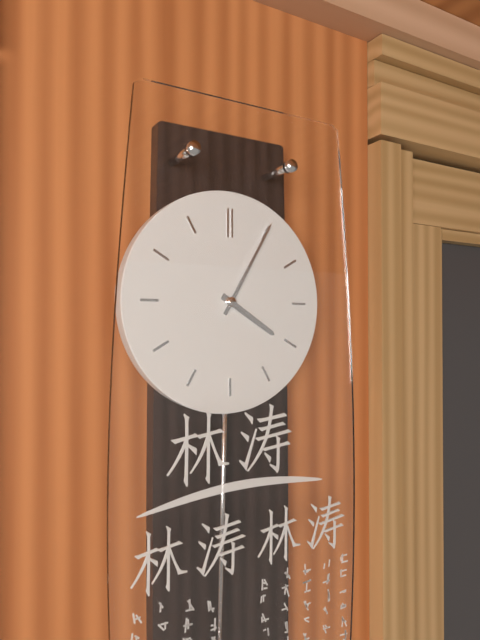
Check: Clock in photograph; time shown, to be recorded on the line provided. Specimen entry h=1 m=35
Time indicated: h=4 m=5
